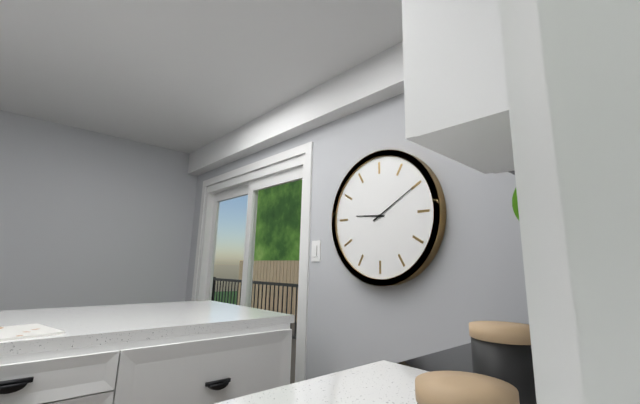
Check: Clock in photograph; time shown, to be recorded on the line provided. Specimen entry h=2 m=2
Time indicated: h=9 m=10
